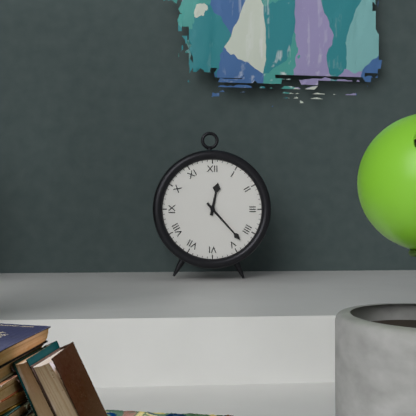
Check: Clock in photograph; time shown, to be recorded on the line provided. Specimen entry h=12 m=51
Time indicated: h=12 m=23
